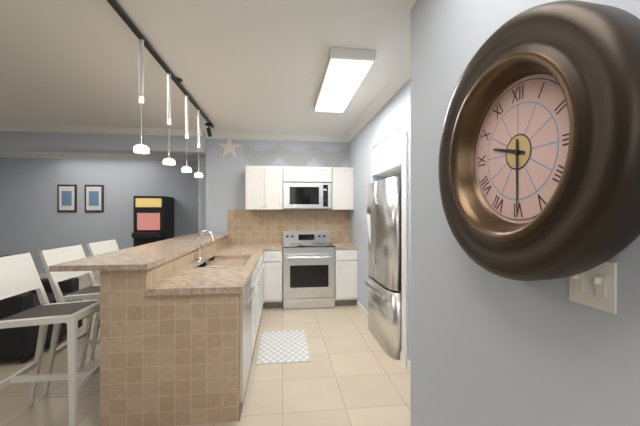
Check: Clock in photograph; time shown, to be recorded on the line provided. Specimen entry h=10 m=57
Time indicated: h=9 m=30
